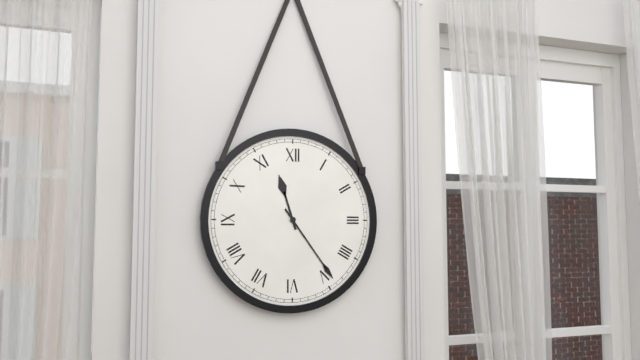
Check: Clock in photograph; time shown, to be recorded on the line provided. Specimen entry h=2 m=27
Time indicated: h=11 m=24
